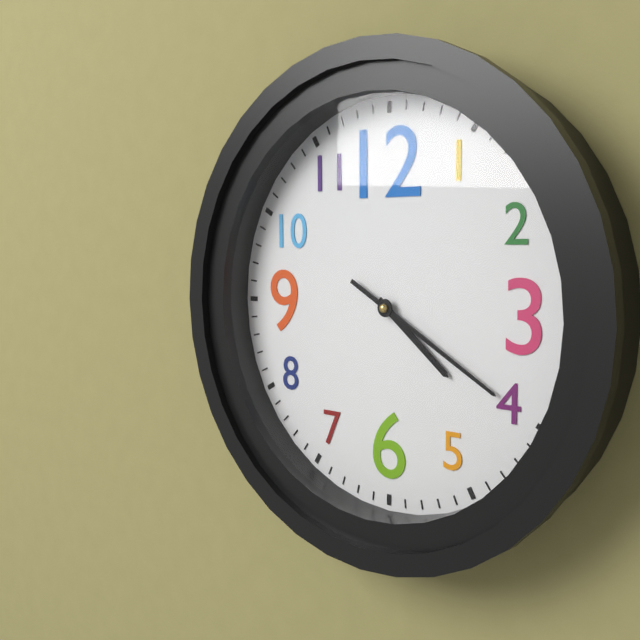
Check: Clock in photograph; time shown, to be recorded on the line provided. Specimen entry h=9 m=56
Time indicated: h=4 m=20
